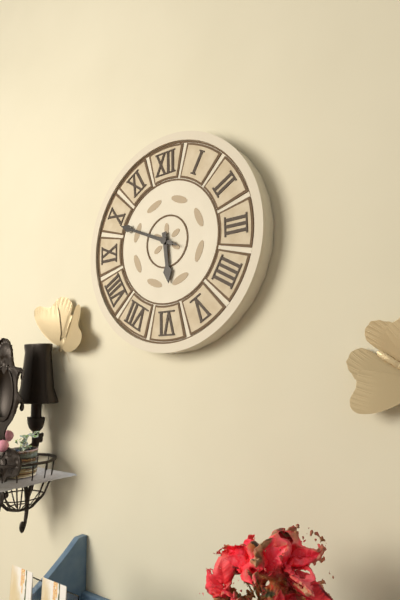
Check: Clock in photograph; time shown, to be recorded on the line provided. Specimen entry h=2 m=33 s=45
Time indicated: h=5 m=49 s=49
